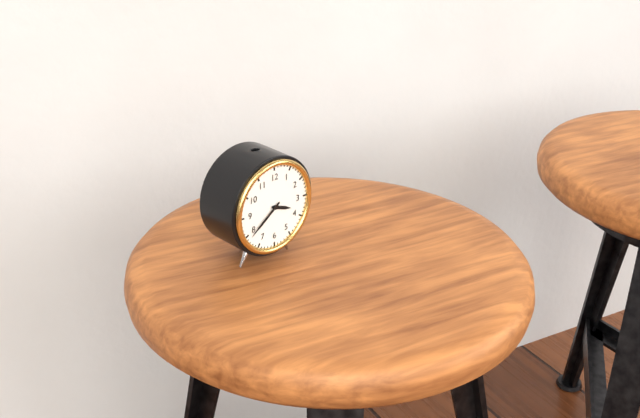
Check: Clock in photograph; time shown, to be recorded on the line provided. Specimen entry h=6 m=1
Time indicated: h=3 m=39
